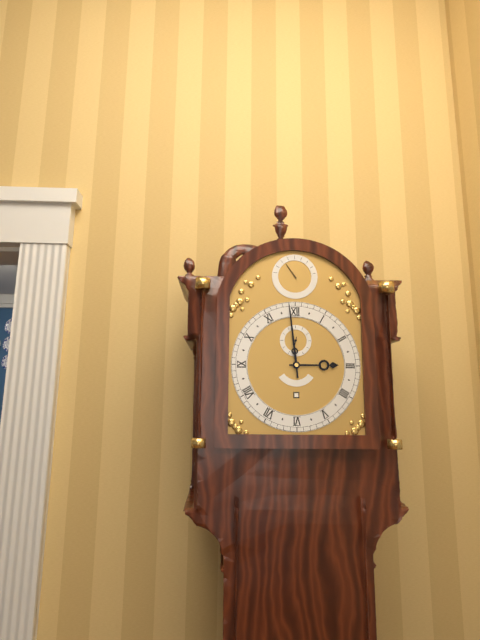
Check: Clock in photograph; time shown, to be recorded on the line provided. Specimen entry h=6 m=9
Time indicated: h=2 m=59
